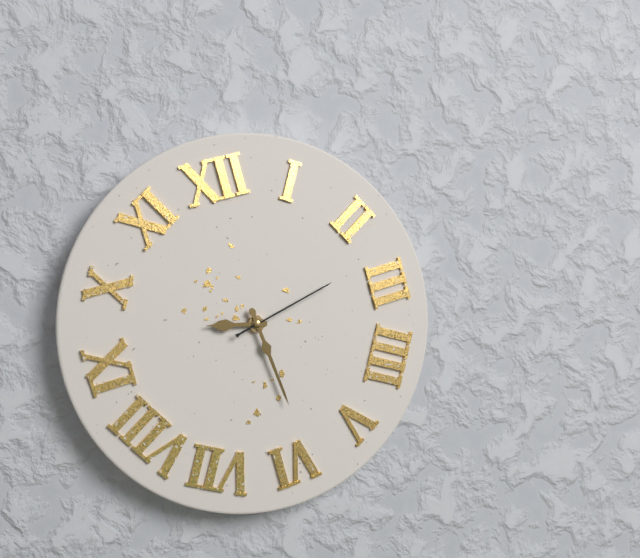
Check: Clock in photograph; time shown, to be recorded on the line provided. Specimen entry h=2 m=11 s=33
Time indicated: h=9 m=29 s=13
